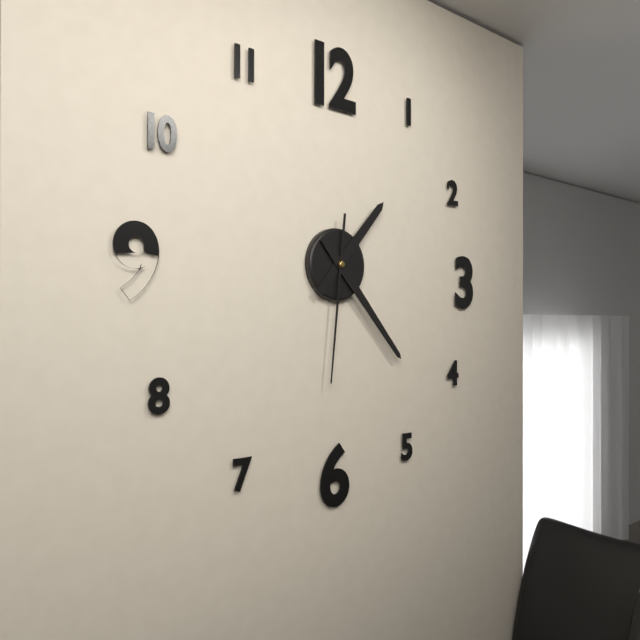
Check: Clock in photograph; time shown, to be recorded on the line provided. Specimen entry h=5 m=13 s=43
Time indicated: h=1 m=23 s=31
